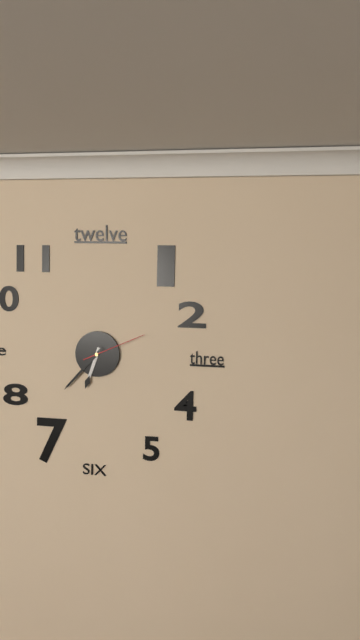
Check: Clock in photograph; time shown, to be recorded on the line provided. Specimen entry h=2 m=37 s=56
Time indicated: h=6 m=37 s=11
